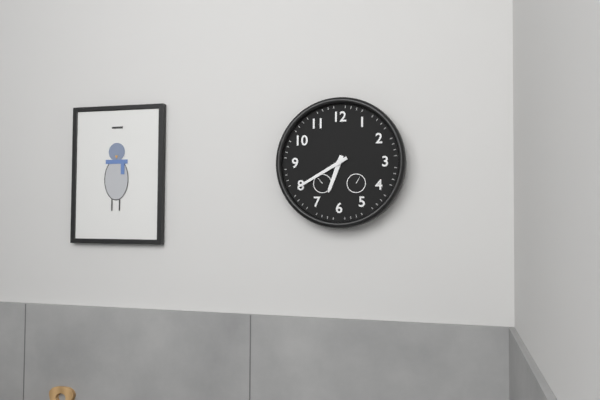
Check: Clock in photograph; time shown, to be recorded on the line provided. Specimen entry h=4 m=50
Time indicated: h=6 m=40
